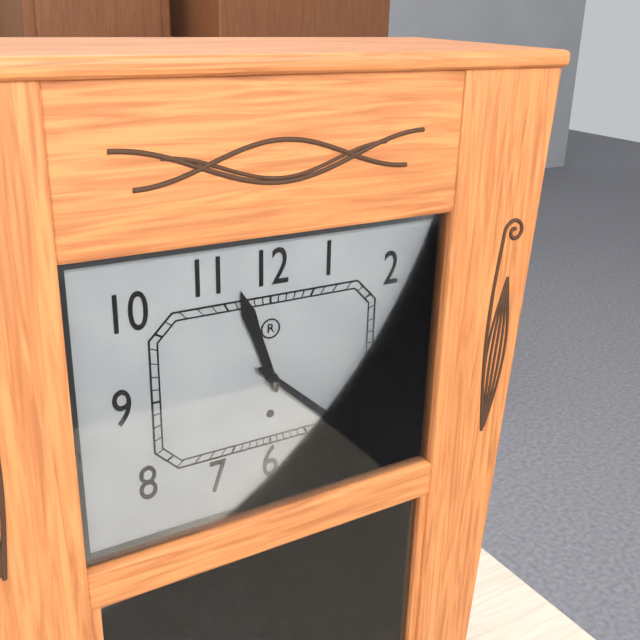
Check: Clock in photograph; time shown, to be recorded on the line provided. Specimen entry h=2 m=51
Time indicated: h=11 m=22
